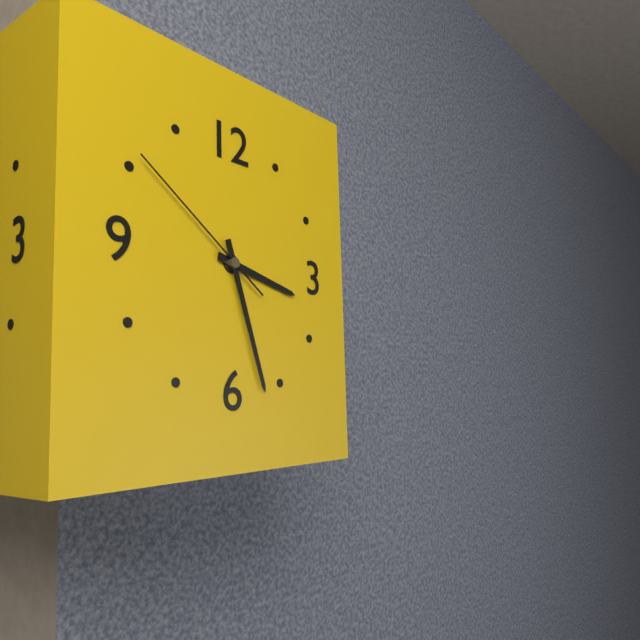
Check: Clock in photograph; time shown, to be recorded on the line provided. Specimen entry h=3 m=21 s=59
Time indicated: h=3 m=27 s=51
